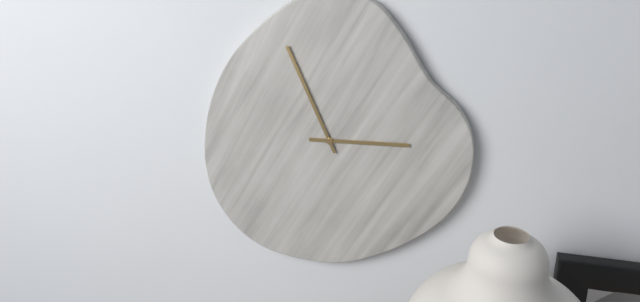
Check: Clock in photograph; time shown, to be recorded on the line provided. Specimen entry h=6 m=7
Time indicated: h=2 m=56
